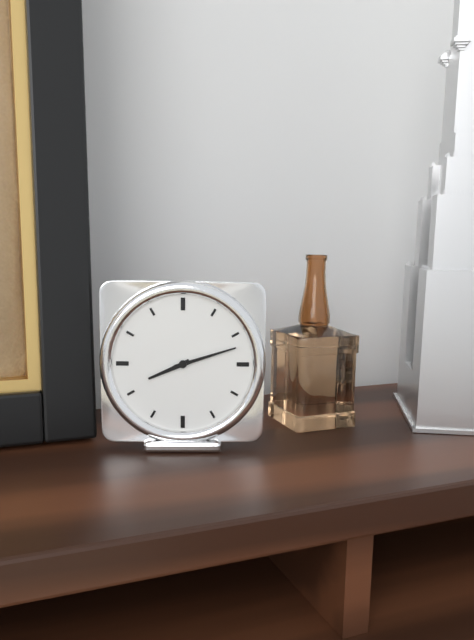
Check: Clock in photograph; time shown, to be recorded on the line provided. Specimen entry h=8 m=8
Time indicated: h=8 m=12
